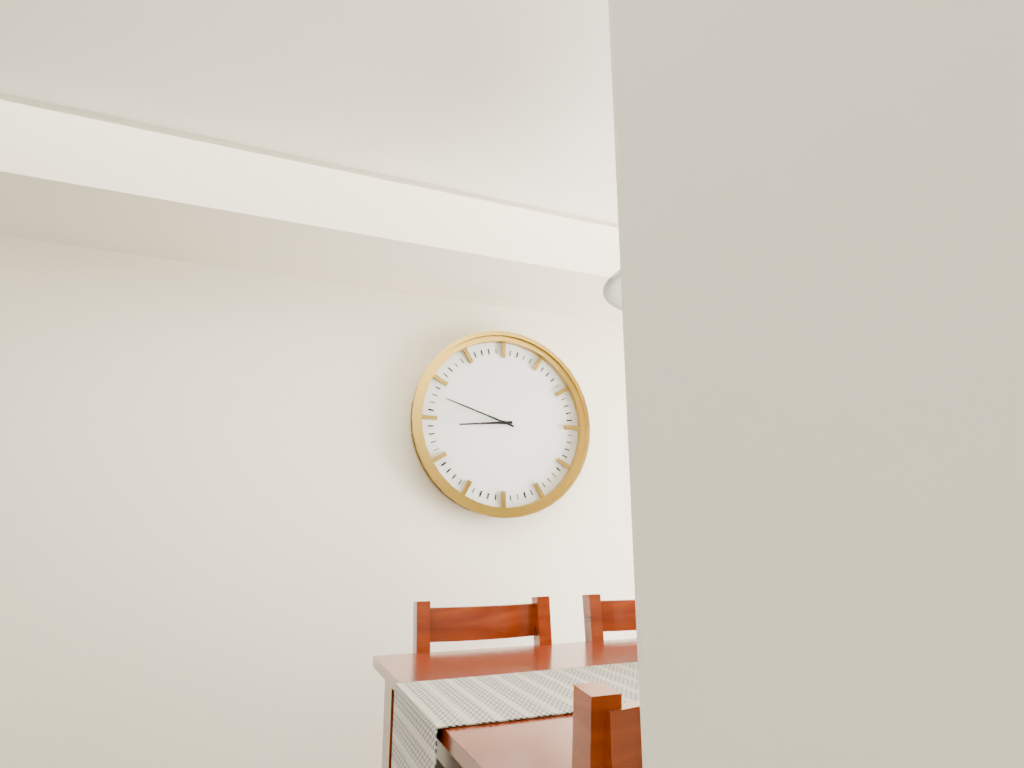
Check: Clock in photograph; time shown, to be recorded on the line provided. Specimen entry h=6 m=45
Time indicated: h=8 m=48
